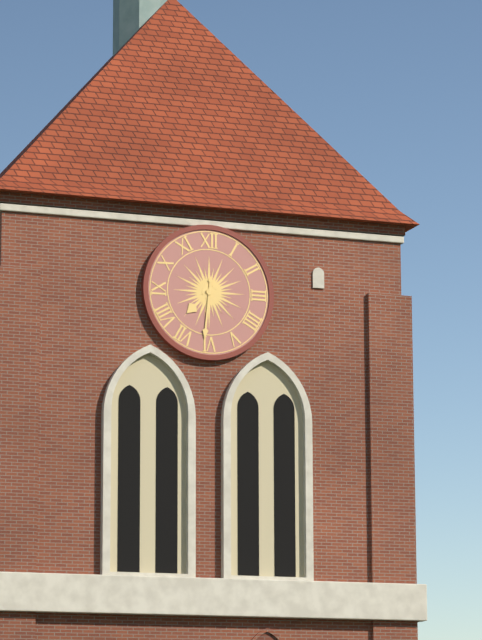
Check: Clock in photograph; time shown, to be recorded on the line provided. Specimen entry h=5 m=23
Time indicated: h=7 m=31
